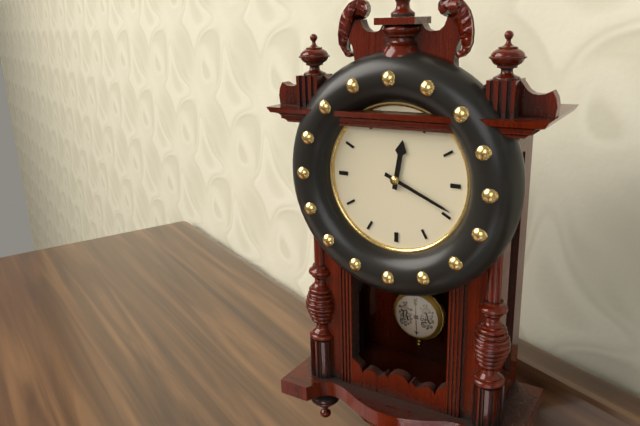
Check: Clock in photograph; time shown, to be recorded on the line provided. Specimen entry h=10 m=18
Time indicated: h=12 m=19
